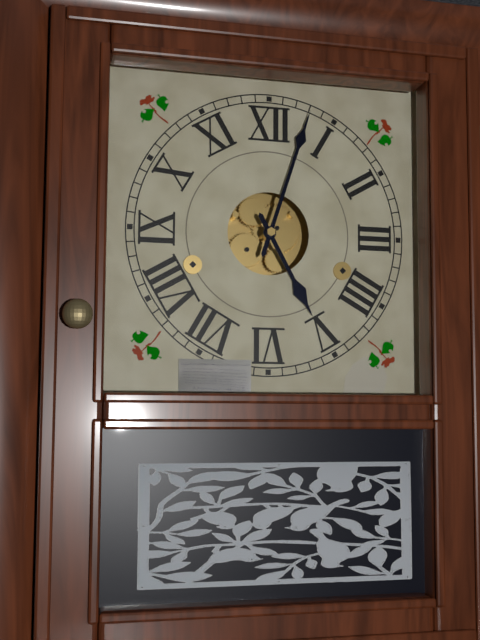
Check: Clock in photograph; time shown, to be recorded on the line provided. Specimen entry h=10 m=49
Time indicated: h=5 m=3
